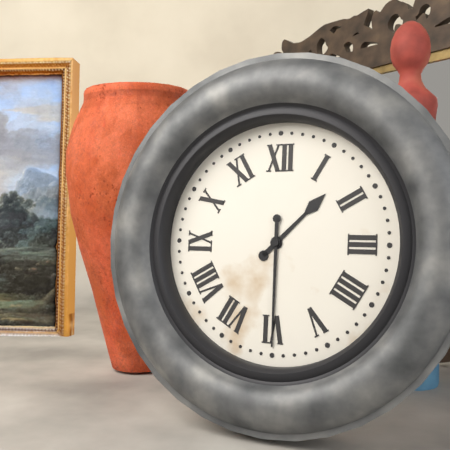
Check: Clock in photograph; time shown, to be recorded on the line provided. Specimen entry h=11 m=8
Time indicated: h=1 m=30
